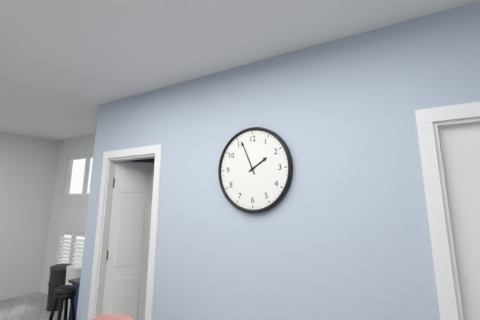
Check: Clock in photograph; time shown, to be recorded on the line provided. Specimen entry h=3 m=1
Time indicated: h=1 m=56
